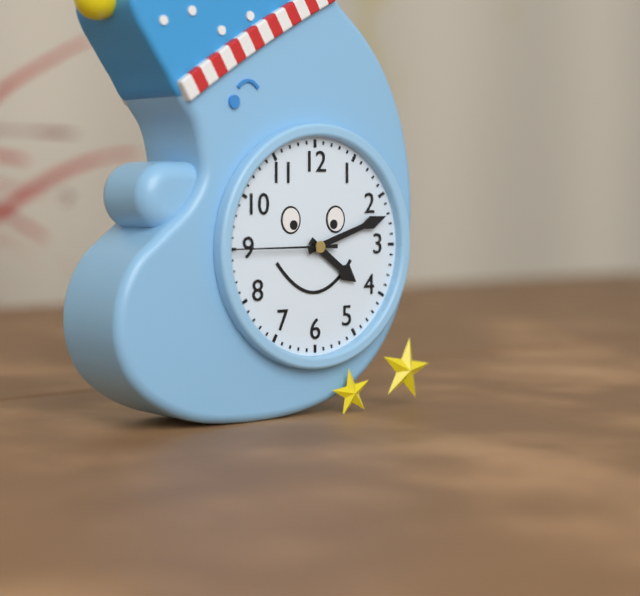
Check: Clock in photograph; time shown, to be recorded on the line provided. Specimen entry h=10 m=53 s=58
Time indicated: h=4 m=12 s=45
